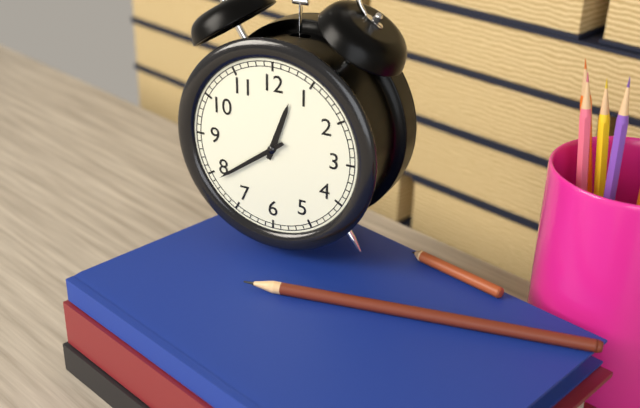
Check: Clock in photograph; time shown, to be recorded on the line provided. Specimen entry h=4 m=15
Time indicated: h=12 m=39
